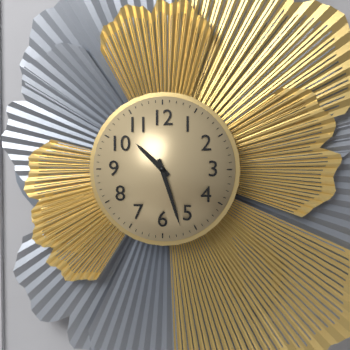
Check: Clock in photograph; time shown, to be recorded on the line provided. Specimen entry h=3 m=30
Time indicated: h=10 m=27
